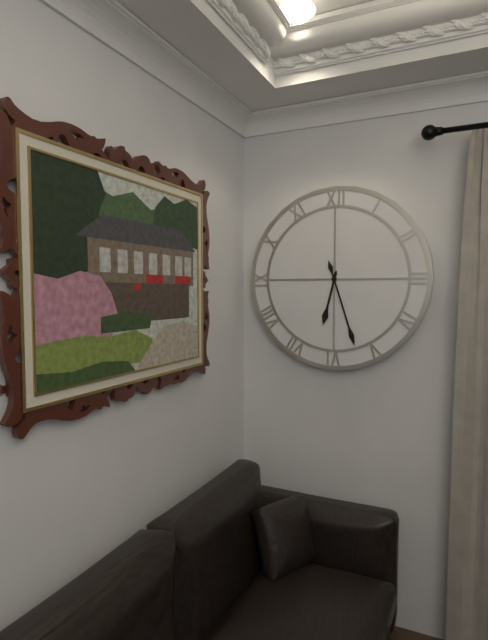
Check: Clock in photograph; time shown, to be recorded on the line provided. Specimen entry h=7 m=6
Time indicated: h=6 m=27
